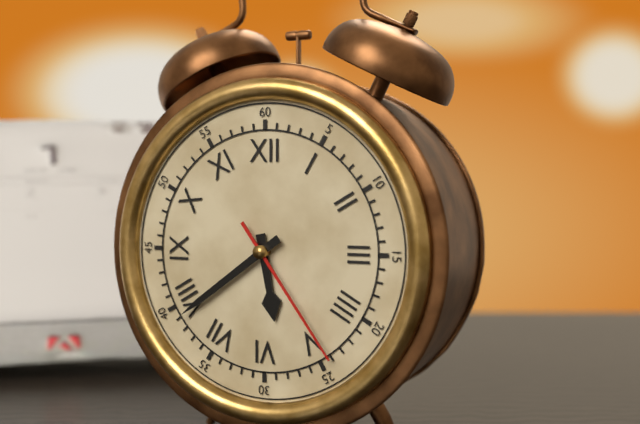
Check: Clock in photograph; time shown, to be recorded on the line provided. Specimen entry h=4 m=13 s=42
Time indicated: h=5 m=39 s=24
